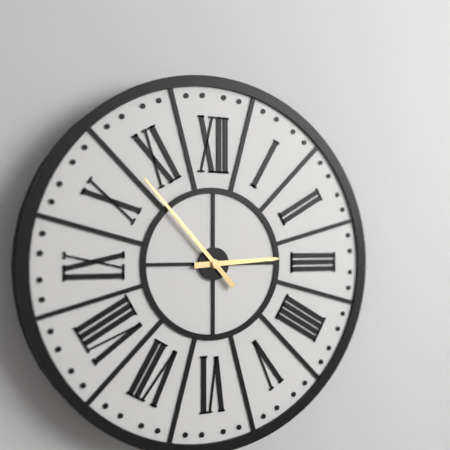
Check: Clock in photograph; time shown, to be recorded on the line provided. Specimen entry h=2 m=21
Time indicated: h=2 m=53
